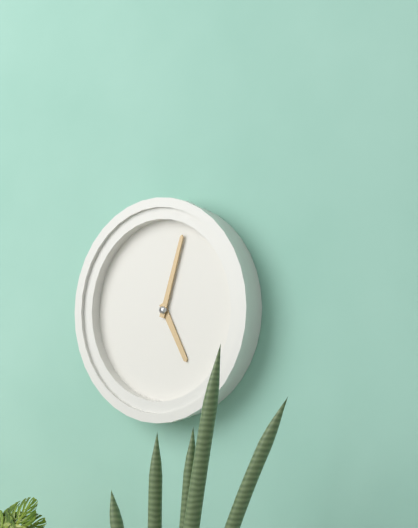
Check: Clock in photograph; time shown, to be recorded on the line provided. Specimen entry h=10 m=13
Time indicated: h=5 m=3
